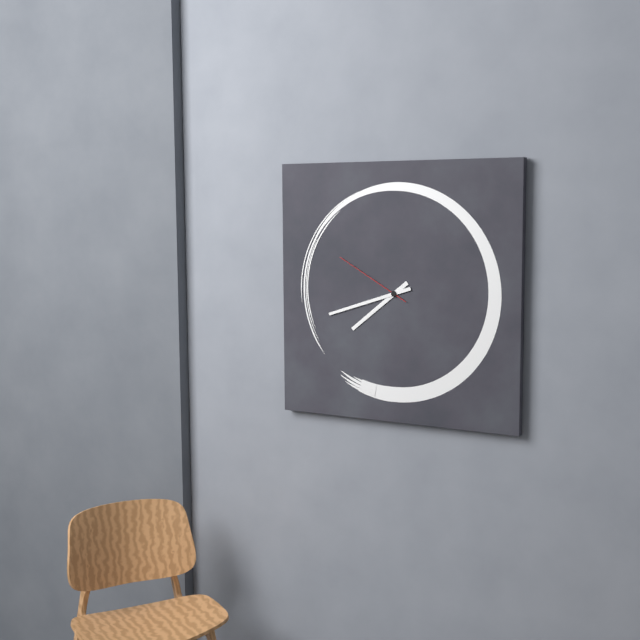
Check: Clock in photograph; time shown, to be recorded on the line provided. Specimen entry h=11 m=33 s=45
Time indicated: h=7 m=42 s=50
